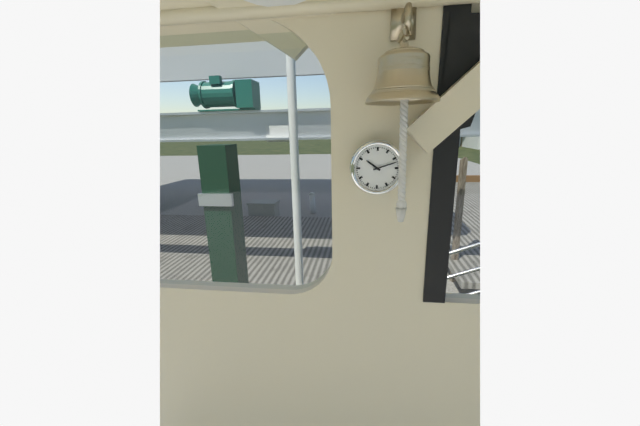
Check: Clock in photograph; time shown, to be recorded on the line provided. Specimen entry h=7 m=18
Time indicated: h=10 m=12
